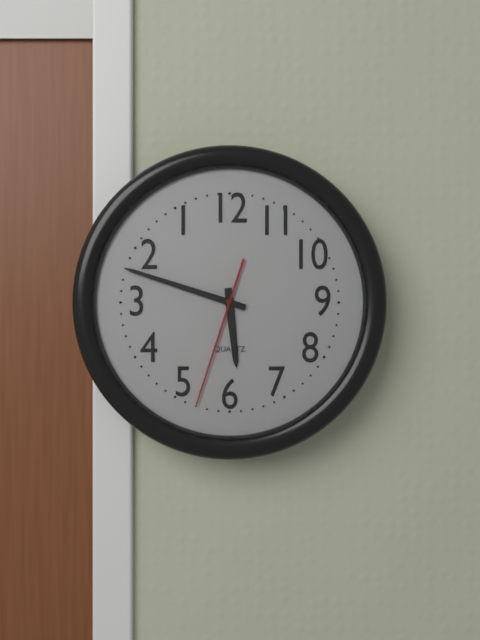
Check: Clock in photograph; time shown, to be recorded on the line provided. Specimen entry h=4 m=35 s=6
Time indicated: h=5 m=48 s=33
